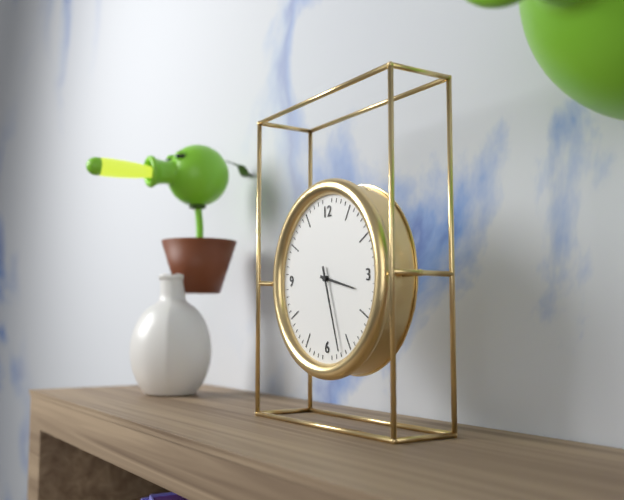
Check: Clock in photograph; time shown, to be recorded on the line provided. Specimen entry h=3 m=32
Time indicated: h=3 m=27
